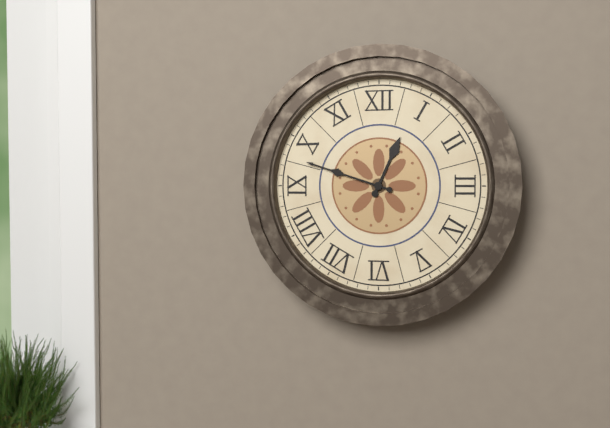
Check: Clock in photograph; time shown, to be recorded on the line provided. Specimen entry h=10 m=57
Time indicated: h=12 m=48
